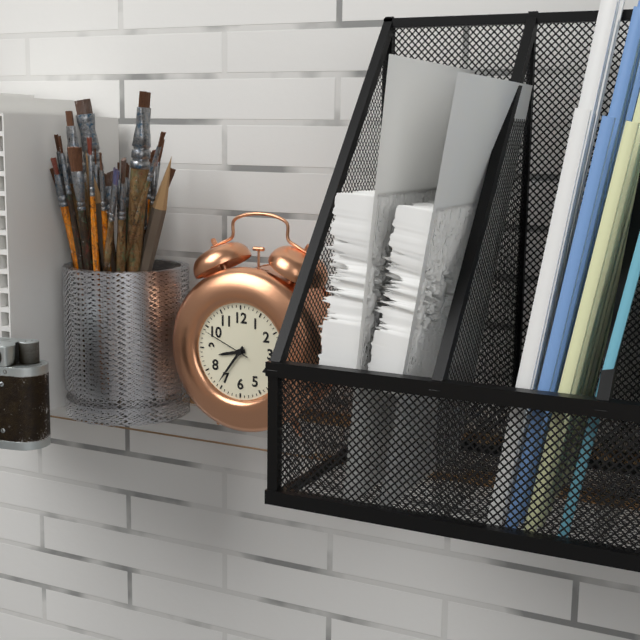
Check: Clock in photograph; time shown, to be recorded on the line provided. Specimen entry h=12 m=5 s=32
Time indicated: h=8 m=36 s=49
